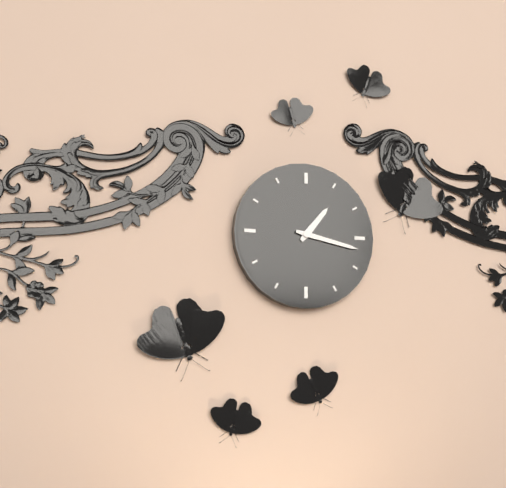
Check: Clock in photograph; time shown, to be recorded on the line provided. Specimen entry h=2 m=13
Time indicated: h=1 m=17
